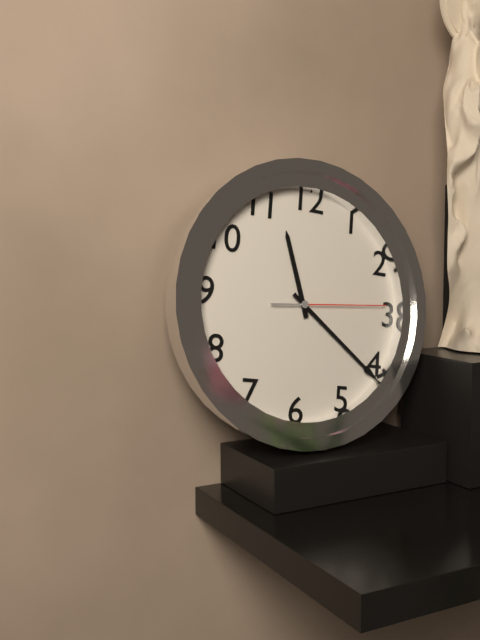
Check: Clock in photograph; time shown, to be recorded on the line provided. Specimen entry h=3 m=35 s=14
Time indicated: h=11 m=21 s=14
